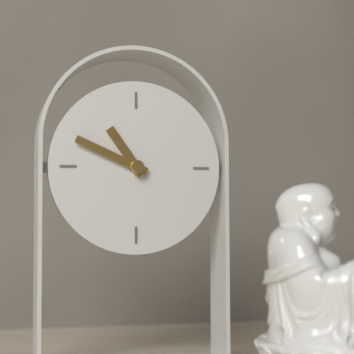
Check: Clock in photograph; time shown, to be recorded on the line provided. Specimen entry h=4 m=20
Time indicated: h=10 m=49
